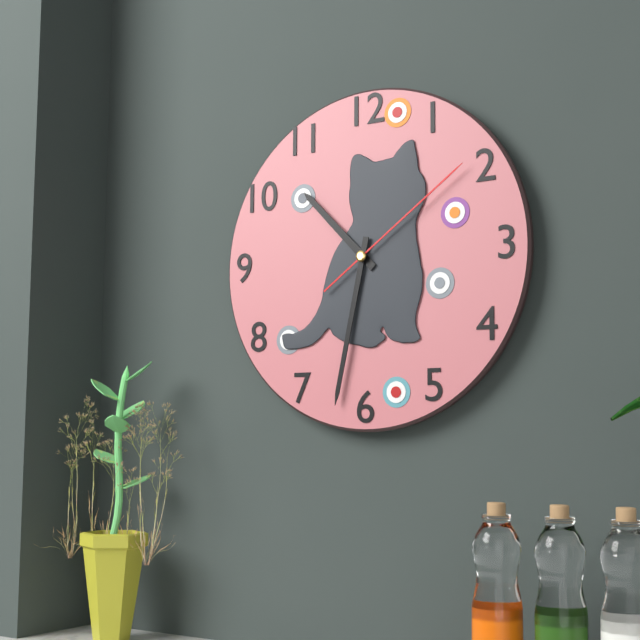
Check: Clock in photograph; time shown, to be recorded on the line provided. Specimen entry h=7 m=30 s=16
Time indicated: h=10 m=32 s=9
